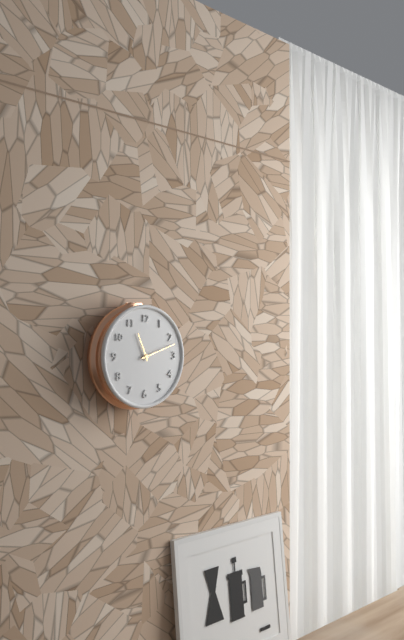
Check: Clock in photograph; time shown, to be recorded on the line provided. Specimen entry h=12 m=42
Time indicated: h=11 m=12
